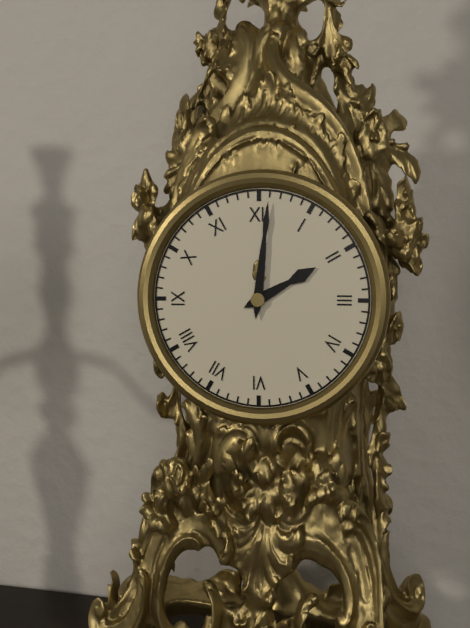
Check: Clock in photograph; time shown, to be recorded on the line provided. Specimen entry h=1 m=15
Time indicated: h=2 m=1
